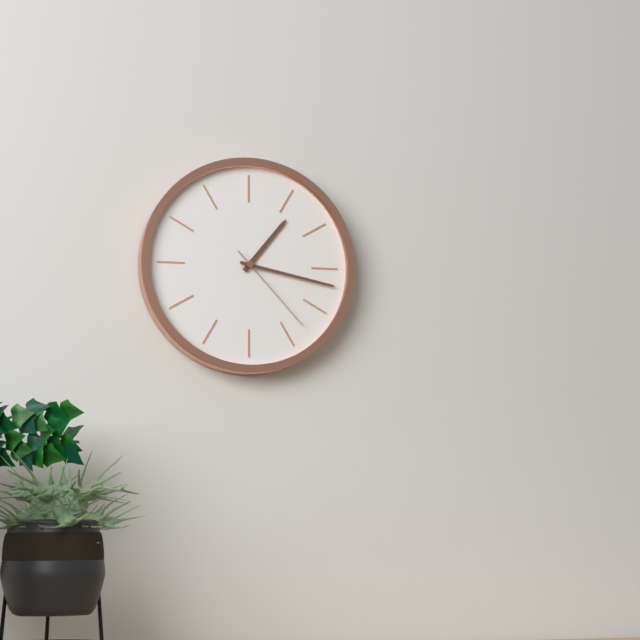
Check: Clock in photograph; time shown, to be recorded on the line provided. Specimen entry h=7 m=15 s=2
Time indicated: h=1 m=17 s=23
